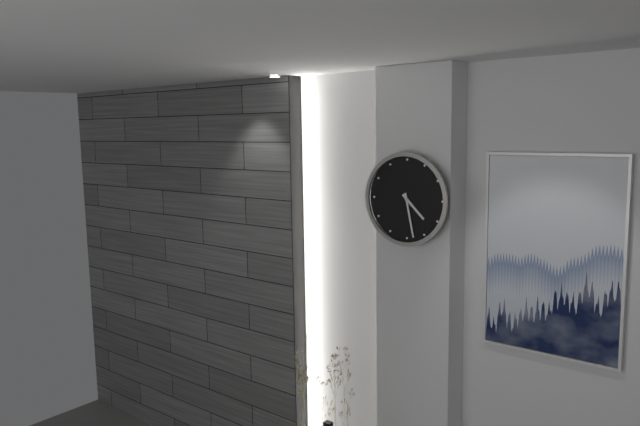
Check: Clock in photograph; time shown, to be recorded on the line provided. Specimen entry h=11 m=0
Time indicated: h=4 m=28
